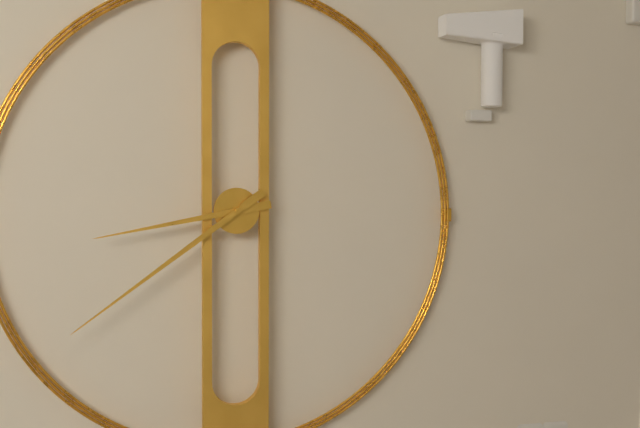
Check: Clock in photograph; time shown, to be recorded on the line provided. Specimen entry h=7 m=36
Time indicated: h=8 m=39
